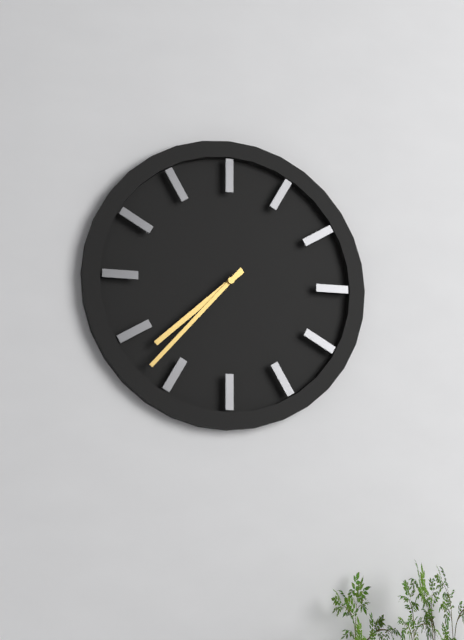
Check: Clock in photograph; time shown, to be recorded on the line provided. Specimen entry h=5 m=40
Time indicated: h=7 m=37
